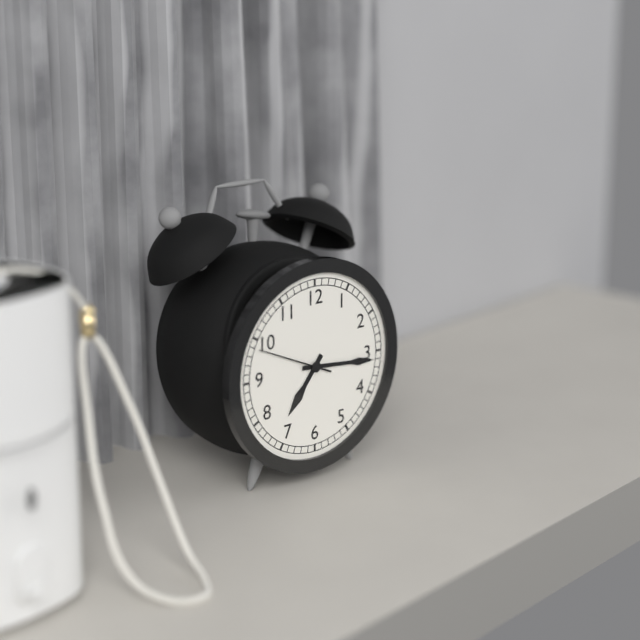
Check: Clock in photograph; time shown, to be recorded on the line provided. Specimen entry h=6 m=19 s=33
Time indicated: h=7 m=16 s=49
